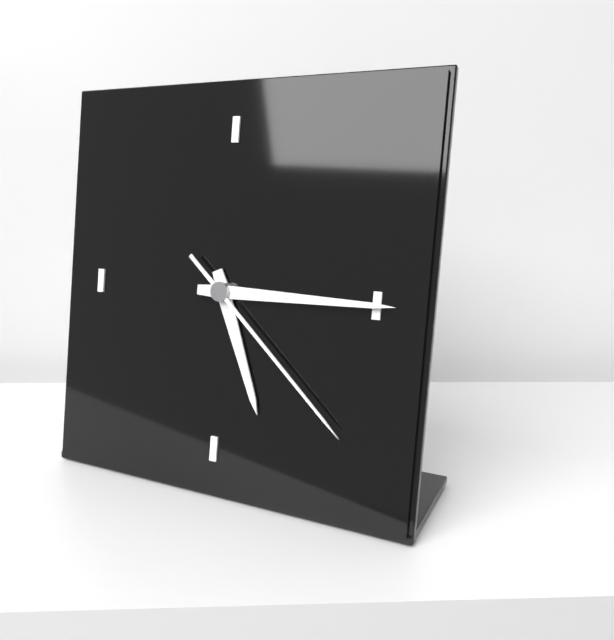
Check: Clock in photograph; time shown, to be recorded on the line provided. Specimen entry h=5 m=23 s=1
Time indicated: h=5 m=15 s=22
